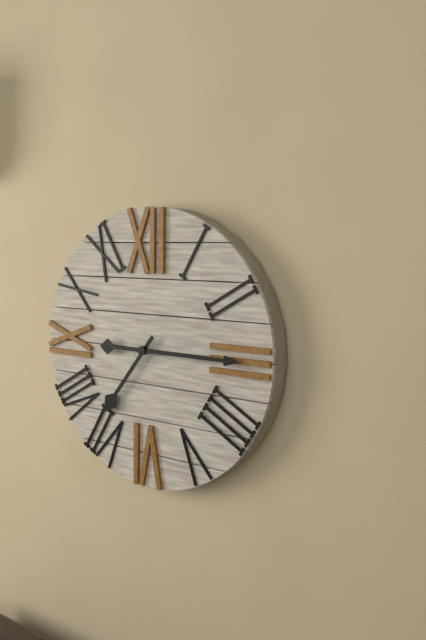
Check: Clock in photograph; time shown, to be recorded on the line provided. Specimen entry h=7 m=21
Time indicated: h=7 m=15
